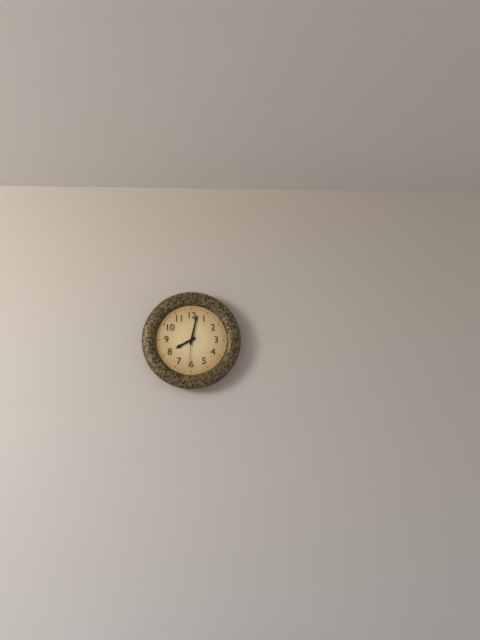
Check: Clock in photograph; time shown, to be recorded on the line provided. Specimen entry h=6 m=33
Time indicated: h=8 m=2
